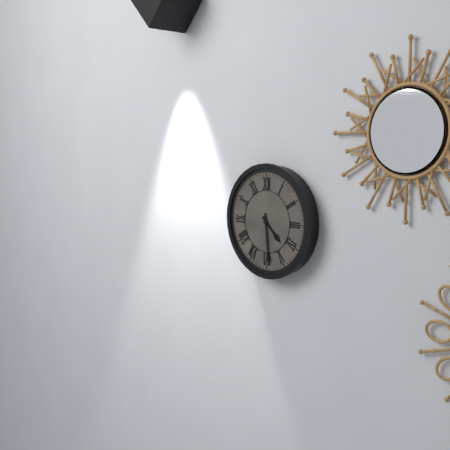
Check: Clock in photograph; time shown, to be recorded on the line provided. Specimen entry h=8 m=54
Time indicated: h=4 m=29
